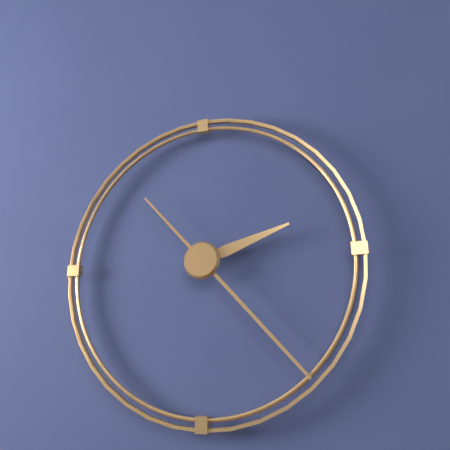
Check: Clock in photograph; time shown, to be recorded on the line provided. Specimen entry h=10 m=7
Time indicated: h=2 m=23
